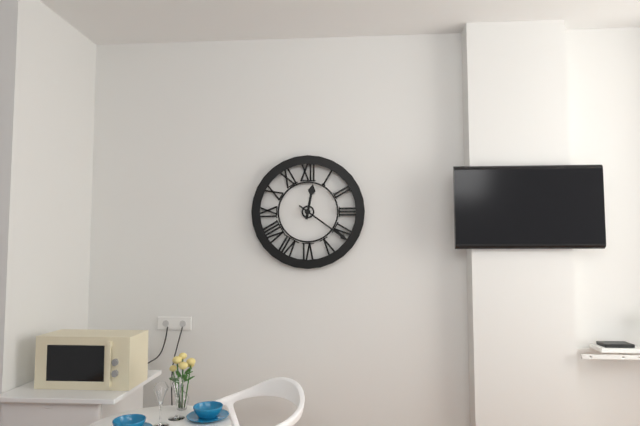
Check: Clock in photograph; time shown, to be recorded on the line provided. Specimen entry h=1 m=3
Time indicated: h=12 m=21
